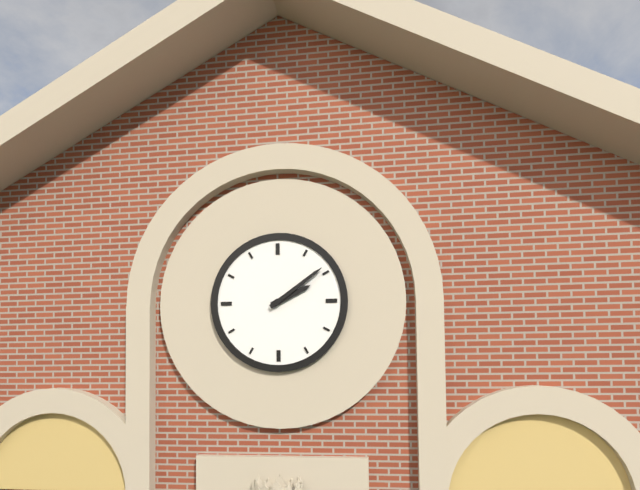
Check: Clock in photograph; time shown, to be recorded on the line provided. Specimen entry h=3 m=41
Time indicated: h=2 m=9
